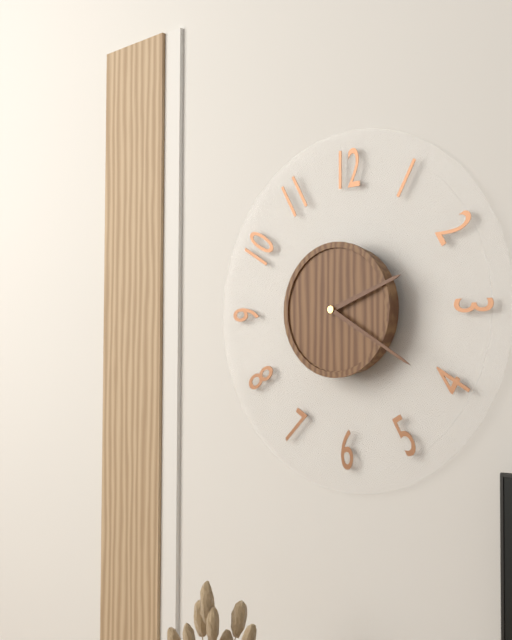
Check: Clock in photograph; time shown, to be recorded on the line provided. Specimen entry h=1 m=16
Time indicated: h=2 m=20
